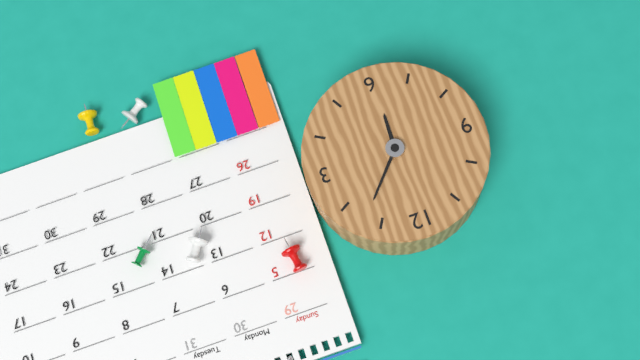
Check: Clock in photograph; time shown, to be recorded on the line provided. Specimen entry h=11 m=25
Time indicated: h=6 m=7
